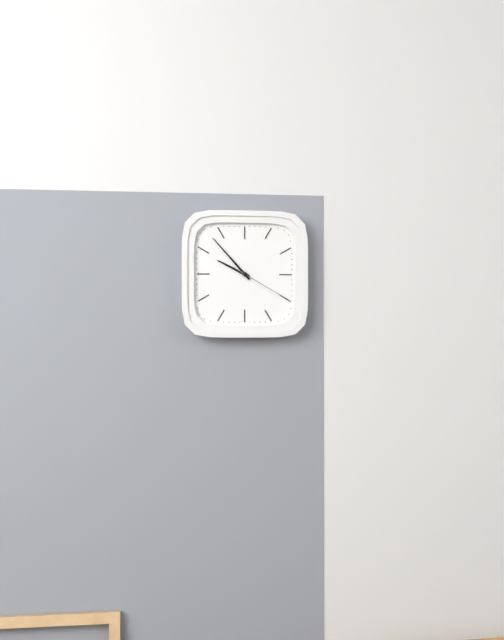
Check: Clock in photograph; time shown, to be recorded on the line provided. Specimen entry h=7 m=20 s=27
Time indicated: h=9 m=53 s=20
